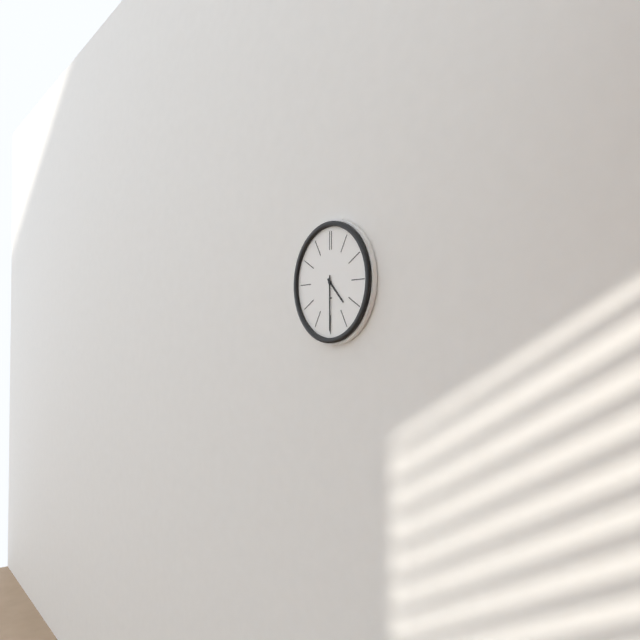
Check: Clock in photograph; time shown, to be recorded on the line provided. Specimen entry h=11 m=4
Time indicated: h=4 m=30
